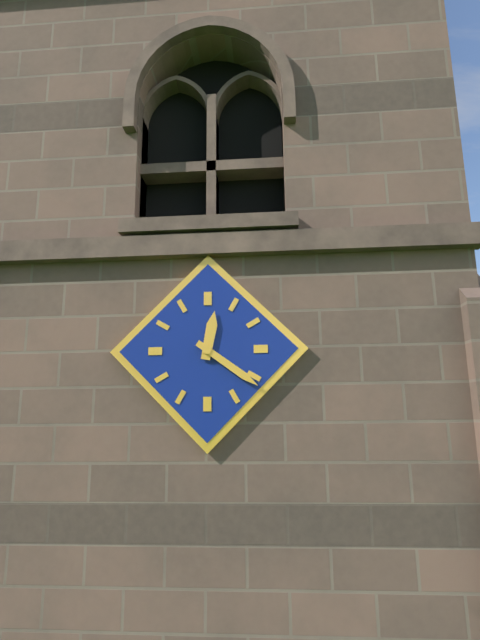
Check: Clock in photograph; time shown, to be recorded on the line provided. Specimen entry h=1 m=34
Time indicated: h=12 m=21
